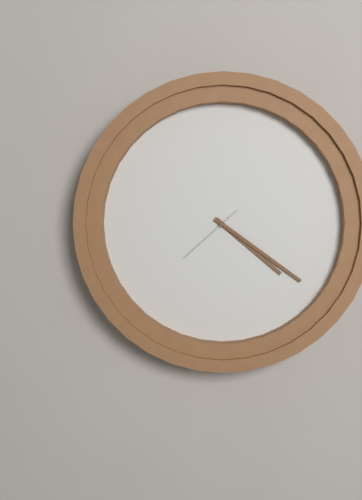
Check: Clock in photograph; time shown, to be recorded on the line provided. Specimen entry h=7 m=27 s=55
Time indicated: h=4 m=21 s=38
